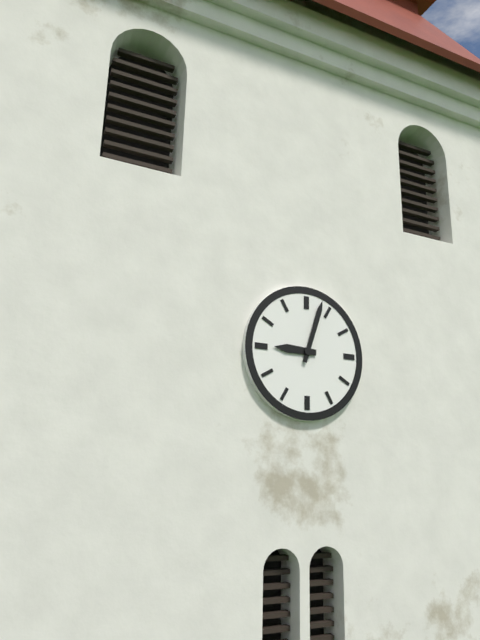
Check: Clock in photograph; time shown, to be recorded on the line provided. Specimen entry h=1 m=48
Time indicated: h=9 m=3
